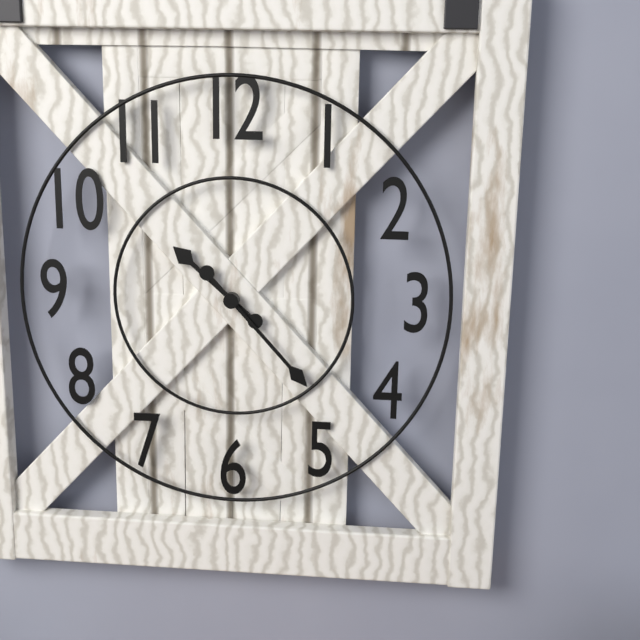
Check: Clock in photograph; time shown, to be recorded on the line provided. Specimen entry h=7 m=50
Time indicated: h=10 m=23
